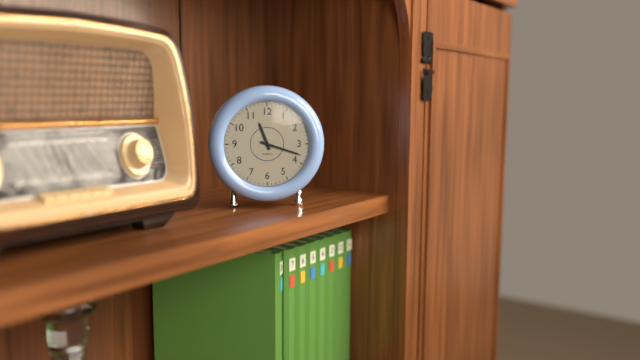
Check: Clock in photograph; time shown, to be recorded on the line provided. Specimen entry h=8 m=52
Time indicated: h=11 m=18
